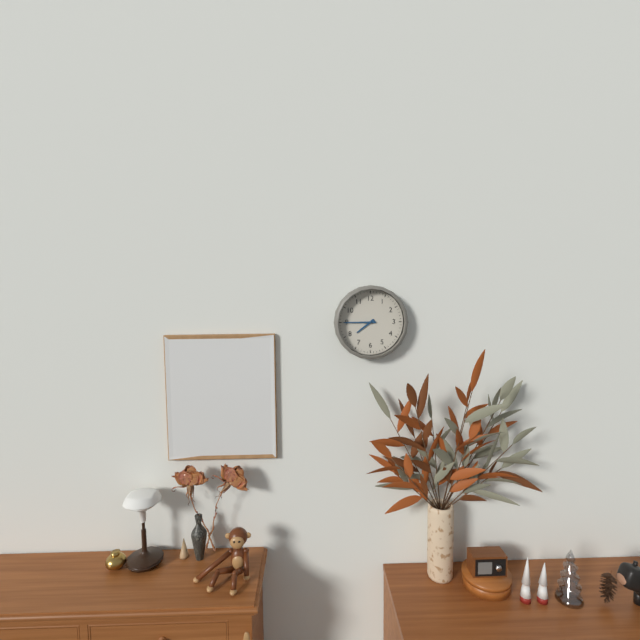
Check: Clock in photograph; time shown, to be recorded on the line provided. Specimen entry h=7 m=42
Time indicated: h=7 m=45
